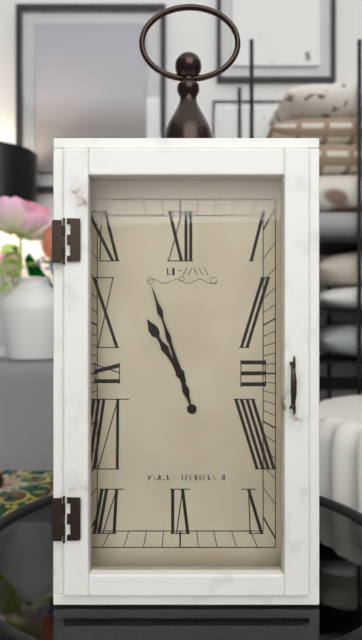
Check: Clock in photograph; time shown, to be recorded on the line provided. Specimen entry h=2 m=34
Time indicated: h=10 m=57
